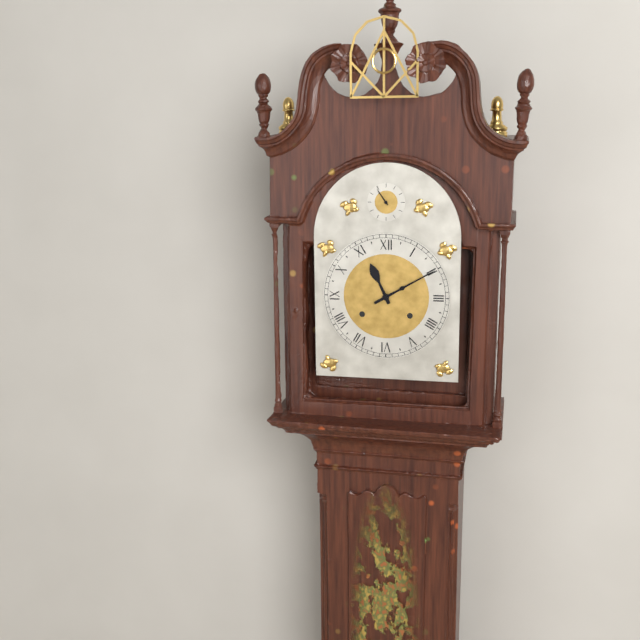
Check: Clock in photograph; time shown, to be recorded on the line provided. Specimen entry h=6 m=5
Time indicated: h=11 m=10
